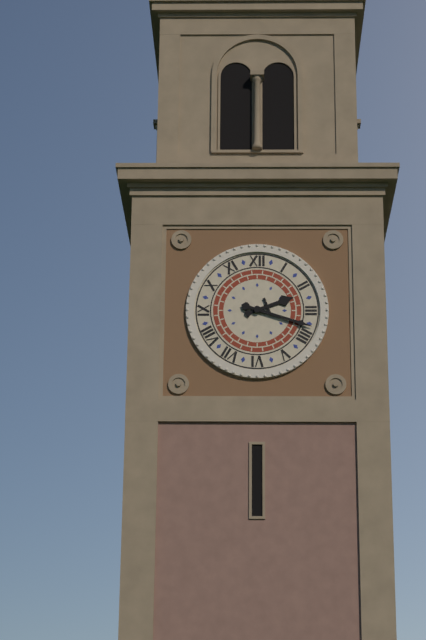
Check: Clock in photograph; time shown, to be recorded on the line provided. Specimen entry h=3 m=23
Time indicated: h=2 m=18
